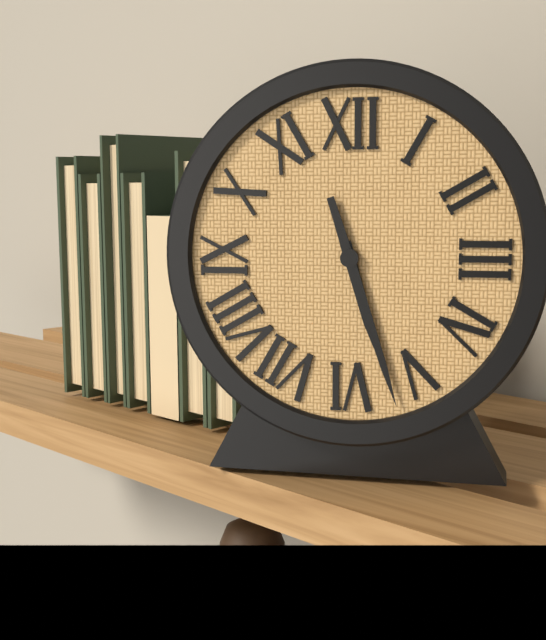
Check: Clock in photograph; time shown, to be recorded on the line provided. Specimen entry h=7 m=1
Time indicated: h=5 m=27
